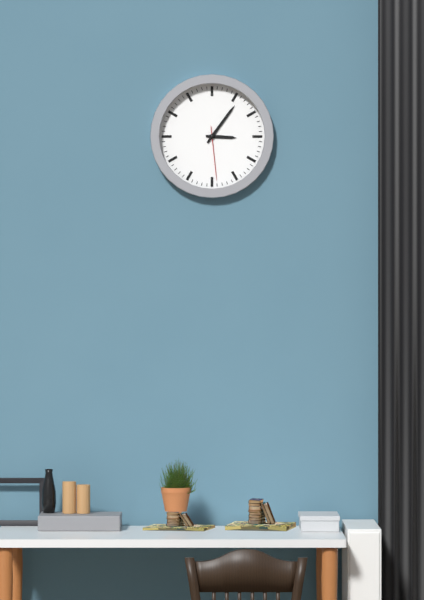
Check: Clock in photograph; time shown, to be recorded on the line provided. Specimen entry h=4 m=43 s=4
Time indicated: h=3 m=6 s=29
